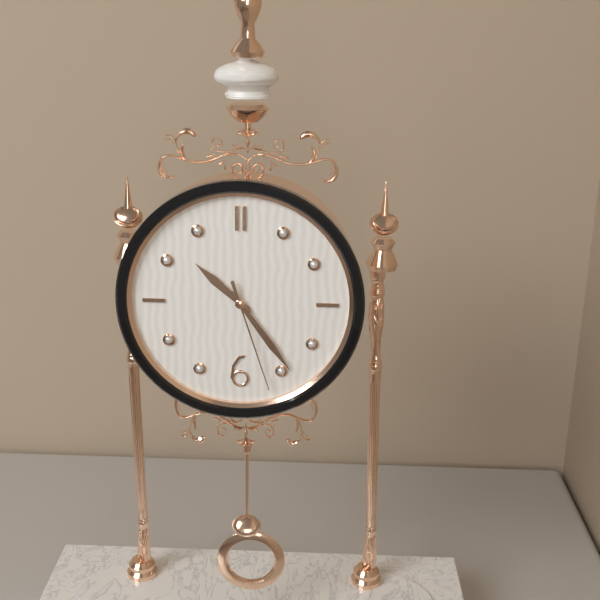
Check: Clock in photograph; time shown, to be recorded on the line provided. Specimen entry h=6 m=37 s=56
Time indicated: h=10 m=24 s=27
